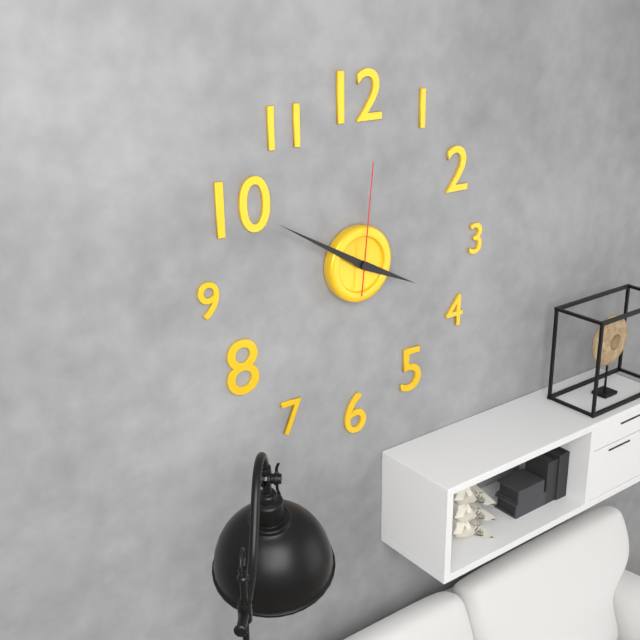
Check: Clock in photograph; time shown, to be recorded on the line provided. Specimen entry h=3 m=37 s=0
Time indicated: h=3 m=50 s=1
